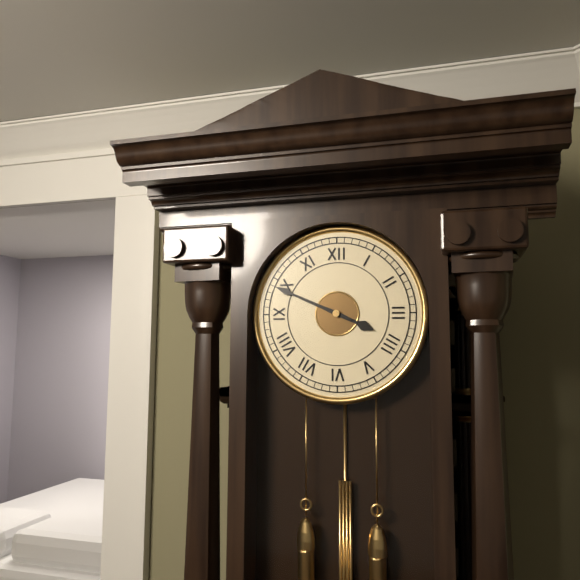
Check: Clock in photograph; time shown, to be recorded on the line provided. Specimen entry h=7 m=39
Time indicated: h=3 m=49
